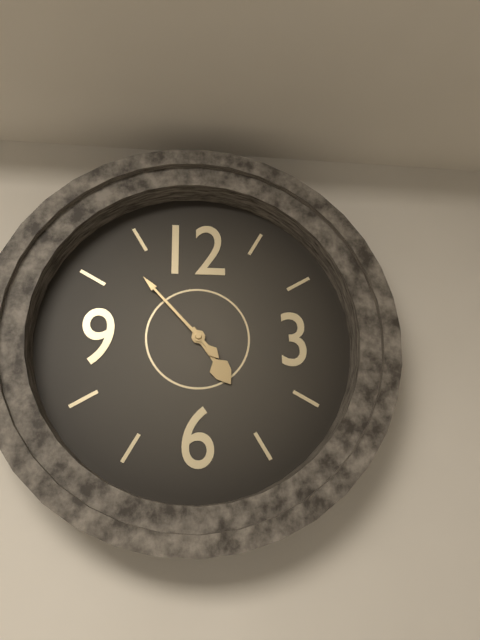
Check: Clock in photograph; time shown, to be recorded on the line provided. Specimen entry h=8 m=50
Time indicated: h=4 m=53
